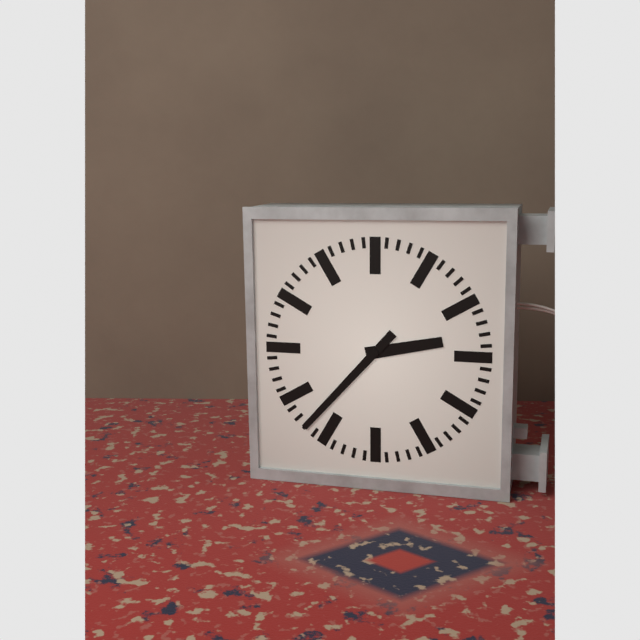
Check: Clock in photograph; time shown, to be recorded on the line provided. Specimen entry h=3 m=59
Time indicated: h=2 m=37
